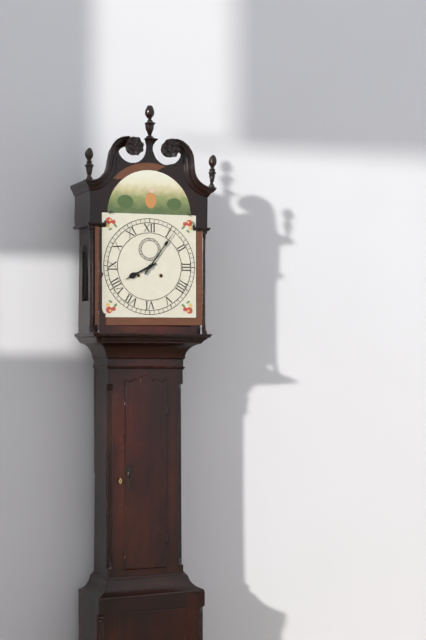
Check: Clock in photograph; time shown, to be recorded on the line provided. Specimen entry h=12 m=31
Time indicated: h=8 m=6
